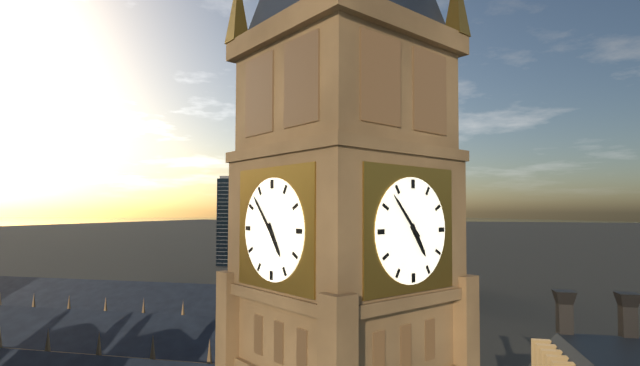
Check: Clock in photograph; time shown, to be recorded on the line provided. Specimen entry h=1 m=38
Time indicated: h=4 m=53
